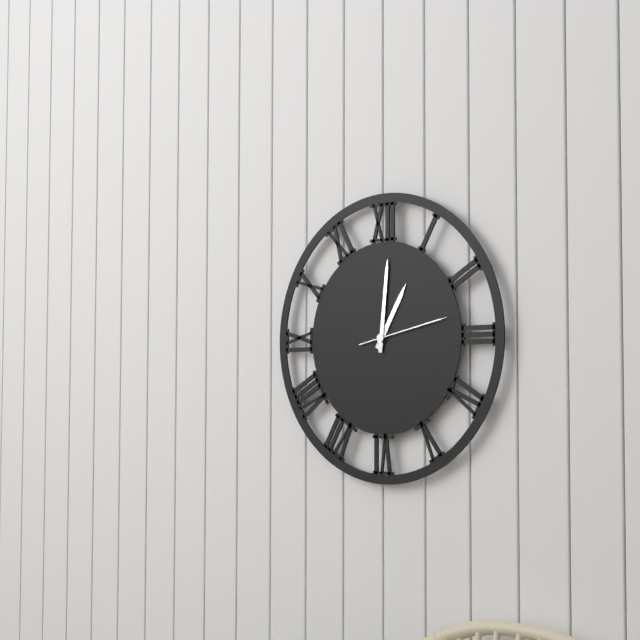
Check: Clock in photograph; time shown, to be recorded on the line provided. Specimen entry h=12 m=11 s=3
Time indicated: h=1 m=1 s=13
